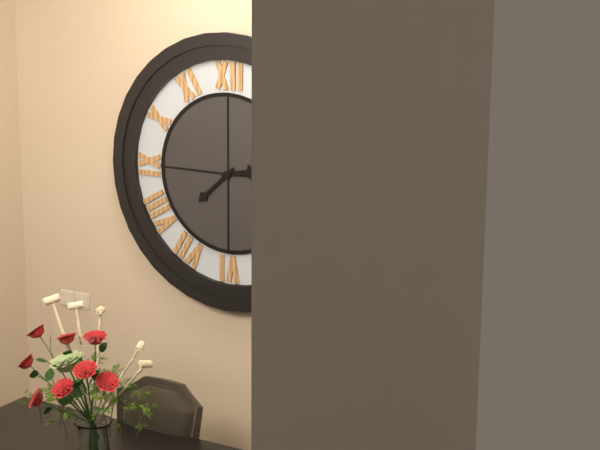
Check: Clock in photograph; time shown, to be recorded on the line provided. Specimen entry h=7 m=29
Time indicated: h=2 m=38
